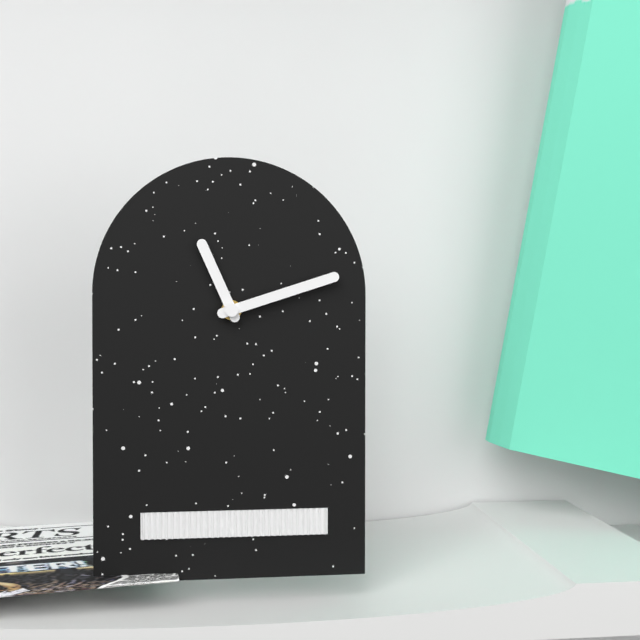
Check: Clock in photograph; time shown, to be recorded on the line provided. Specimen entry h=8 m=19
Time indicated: h=11 m=12
